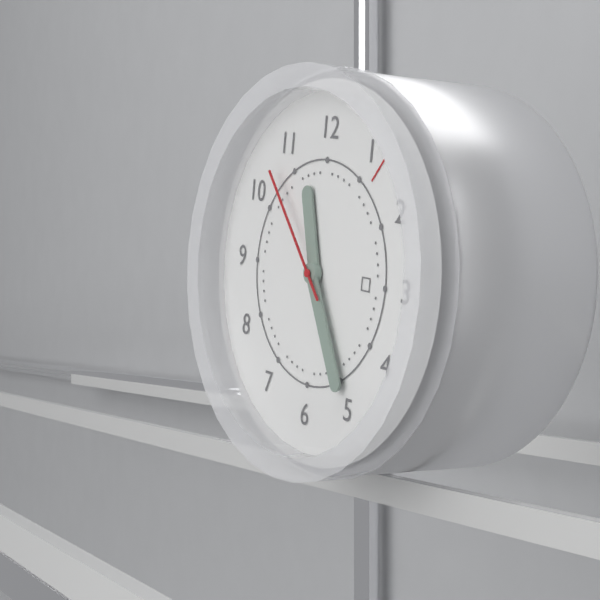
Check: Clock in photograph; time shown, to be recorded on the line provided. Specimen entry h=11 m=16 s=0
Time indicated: h=11 m=25 s=53
